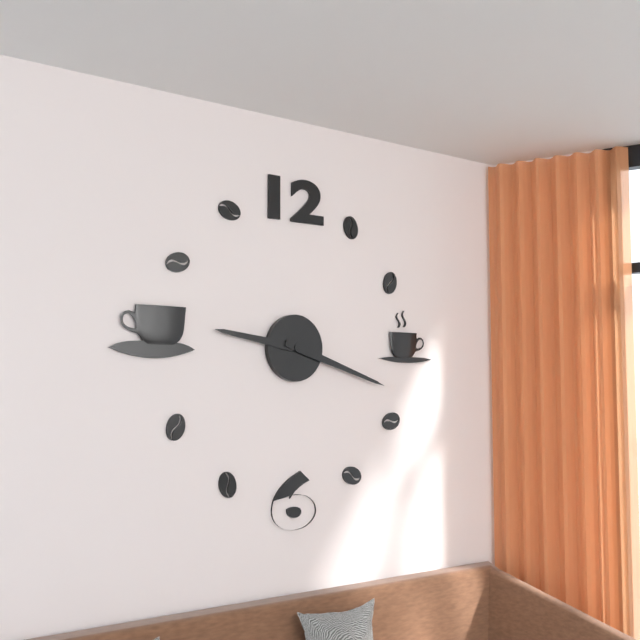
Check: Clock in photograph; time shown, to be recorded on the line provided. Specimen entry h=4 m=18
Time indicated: h=9 m=18
